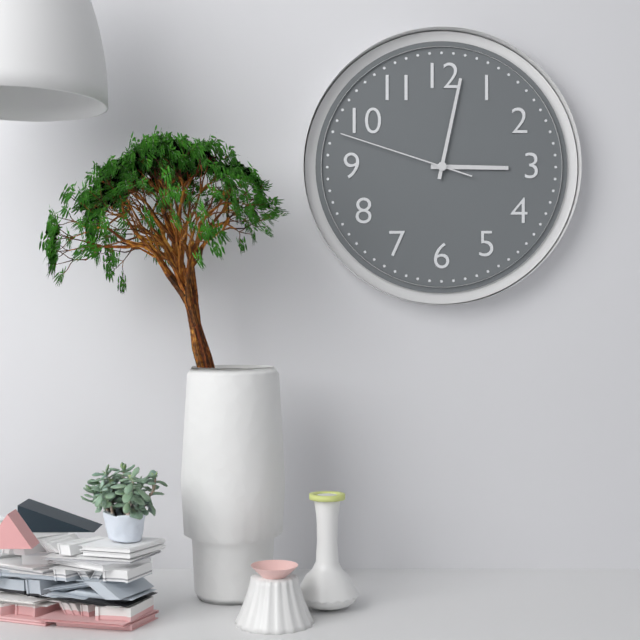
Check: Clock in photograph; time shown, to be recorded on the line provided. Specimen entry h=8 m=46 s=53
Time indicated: h=3 m=2 s=48
